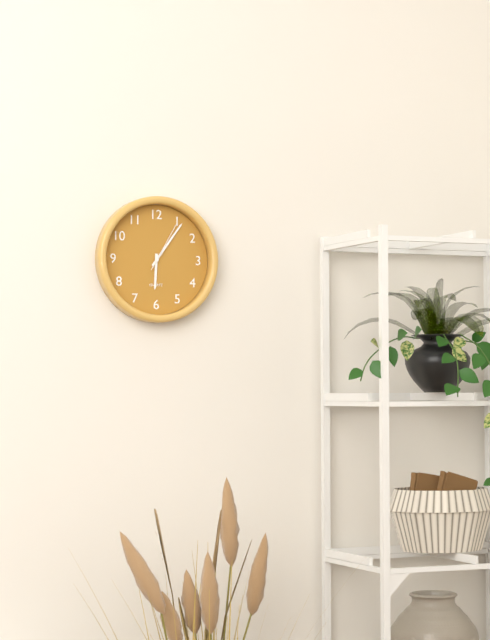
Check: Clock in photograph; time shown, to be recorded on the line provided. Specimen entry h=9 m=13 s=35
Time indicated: h=6 m=6 s=5
